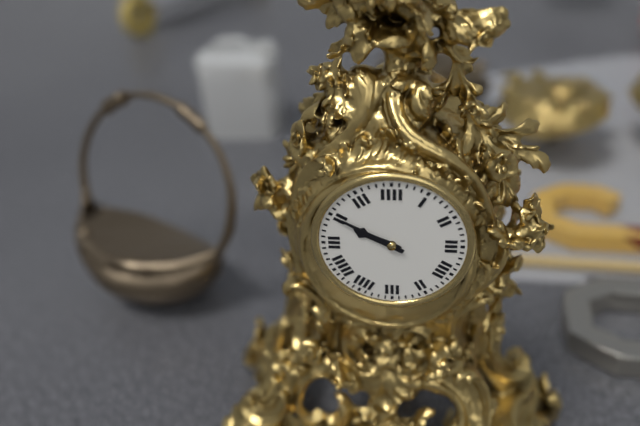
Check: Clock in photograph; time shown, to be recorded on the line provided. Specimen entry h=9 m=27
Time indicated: h=9 m=50
